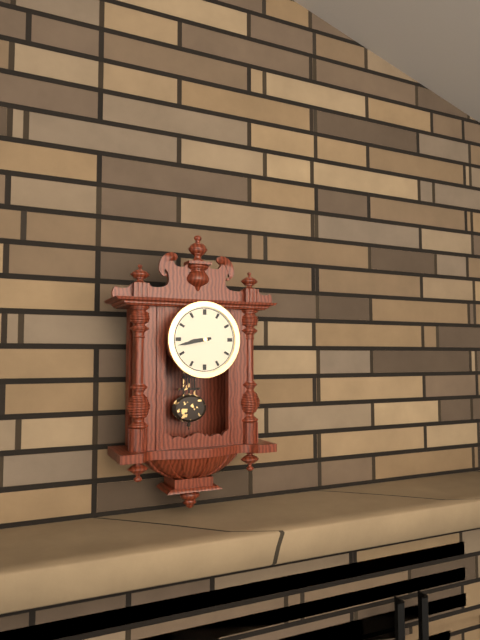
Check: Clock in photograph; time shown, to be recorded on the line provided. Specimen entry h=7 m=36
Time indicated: h=8 m=43
